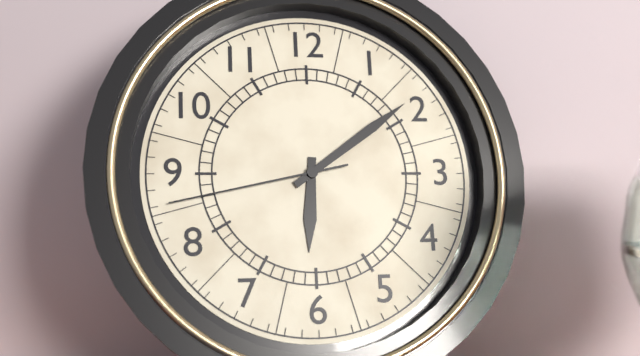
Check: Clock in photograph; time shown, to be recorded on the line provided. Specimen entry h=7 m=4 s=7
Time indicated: h=6 m=9 s=43
